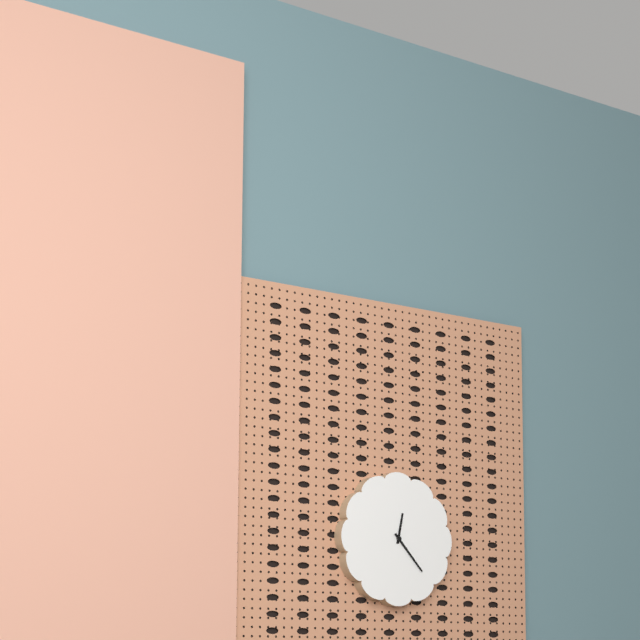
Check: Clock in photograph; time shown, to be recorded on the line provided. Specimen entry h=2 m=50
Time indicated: h=12 m=23
